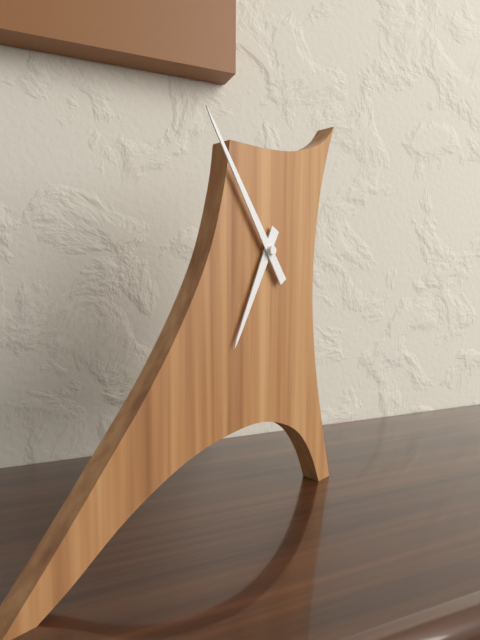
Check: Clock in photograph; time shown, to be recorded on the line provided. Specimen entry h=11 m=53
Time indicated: h=6 m=54
